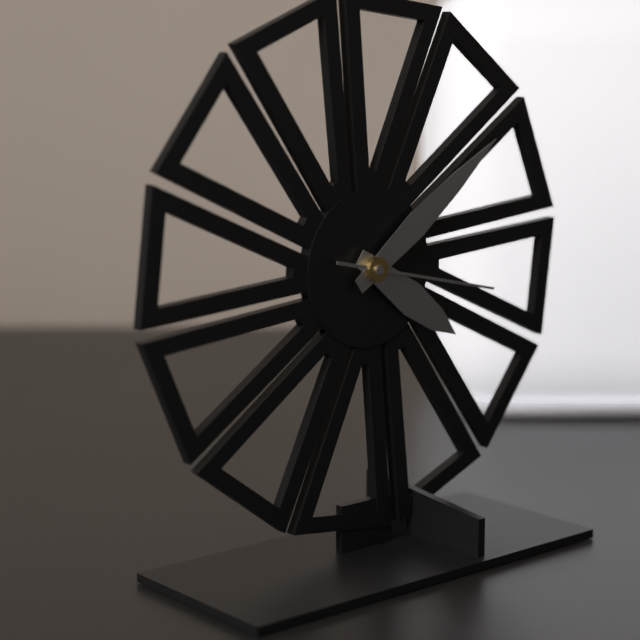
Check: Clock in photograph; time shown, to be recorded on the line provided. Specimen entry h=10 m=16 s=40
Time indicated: h=4 m=9 s=17
